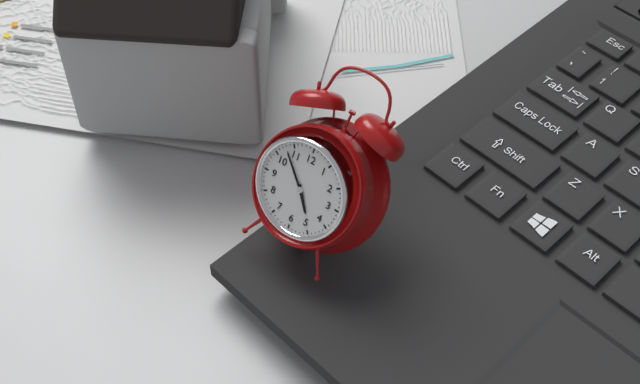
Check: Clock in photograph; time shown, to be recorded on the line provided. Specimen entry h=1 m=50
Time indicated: h=4 m=53
